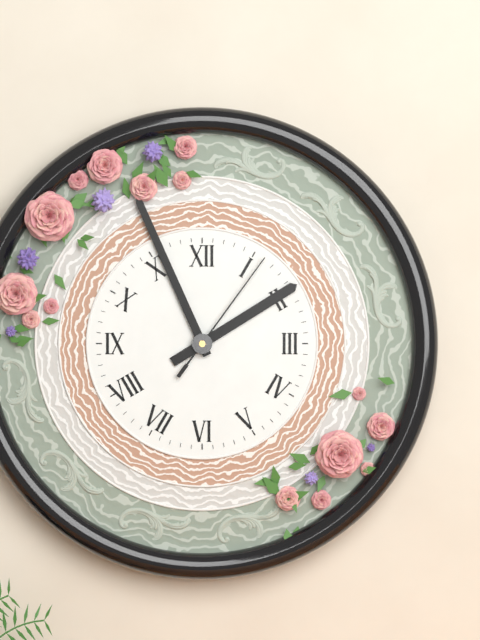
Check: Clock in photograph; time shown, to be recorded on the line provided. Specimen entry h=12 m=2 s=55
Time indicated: h=1 m=56 s=6
